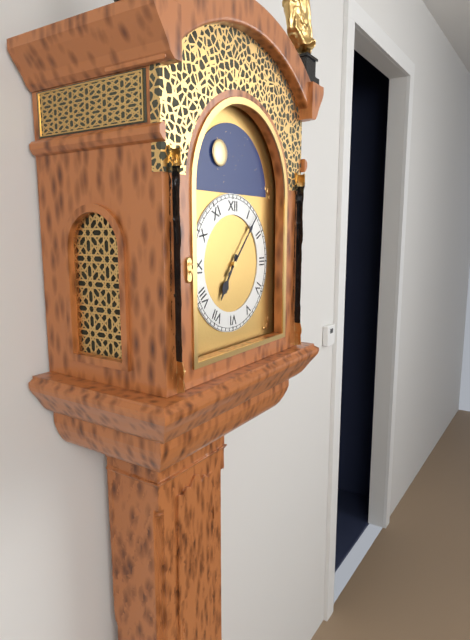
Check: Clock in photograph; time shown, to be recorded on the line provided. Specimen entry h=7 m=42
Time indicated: h=7 m=7
